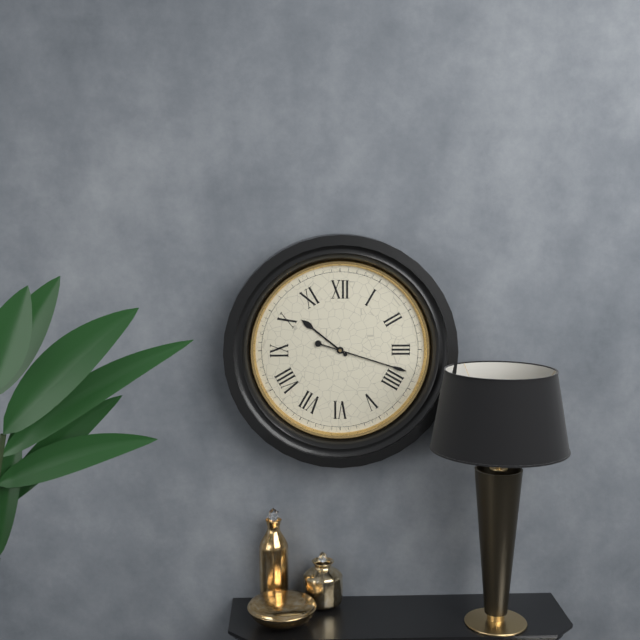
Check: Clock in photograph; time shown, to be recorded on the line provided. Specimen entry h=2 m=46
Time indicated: h=10 m=18
